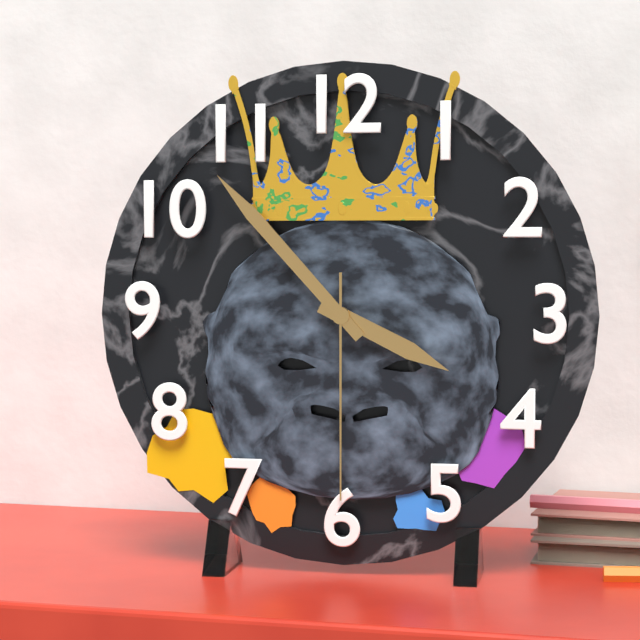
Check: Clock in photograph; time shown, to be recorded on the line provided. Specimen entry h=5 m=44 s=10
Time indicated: h=3 m=53 s=30
